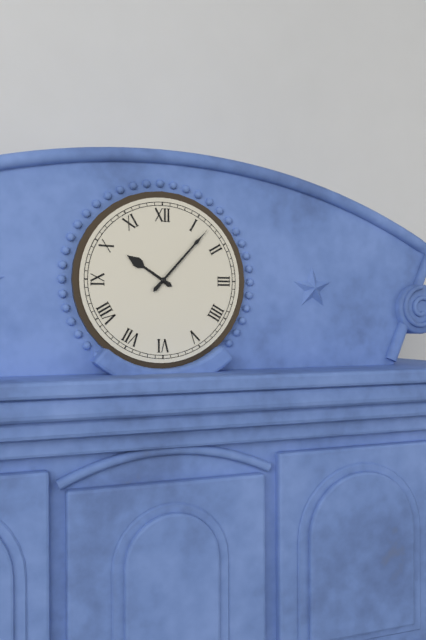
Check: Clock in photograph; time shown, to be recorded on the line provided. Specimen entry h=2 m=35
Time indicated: h=10 m=7
